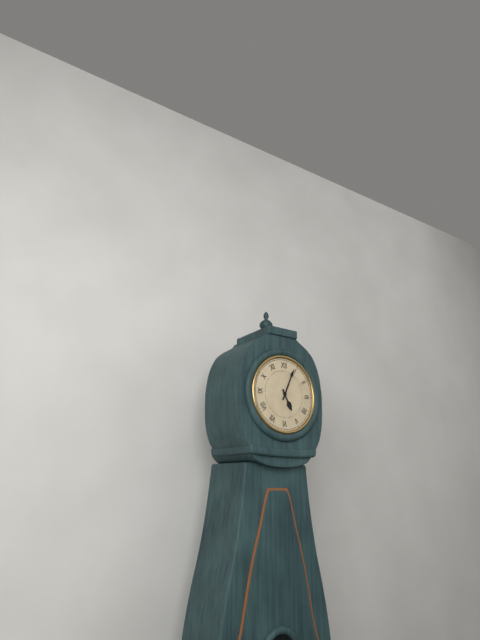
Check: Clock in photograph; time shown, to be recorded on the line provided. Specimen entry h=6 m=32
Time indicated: h=5 m=4
